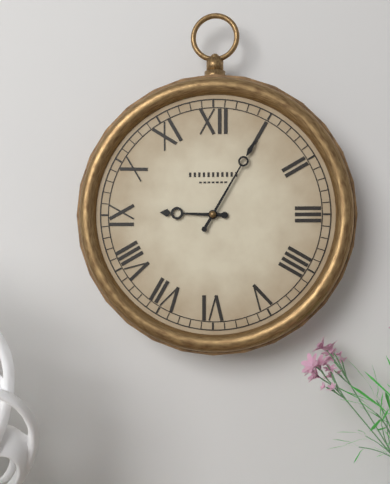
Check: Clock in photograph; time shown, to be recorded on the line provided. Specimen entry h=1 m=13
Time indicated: h=9 m=5
